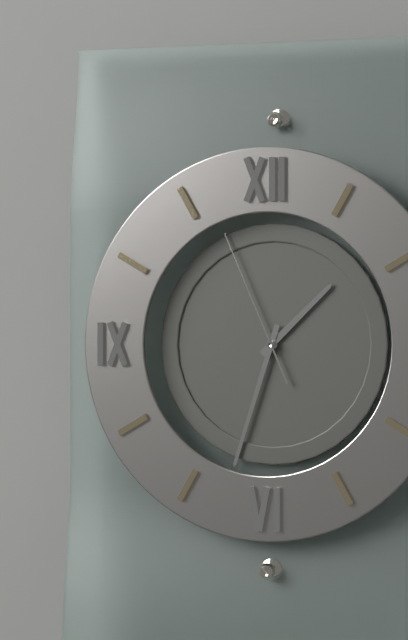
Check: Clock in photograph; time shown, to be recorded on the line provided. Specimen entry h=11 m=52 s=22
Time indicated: h=1 m=33 s=56
